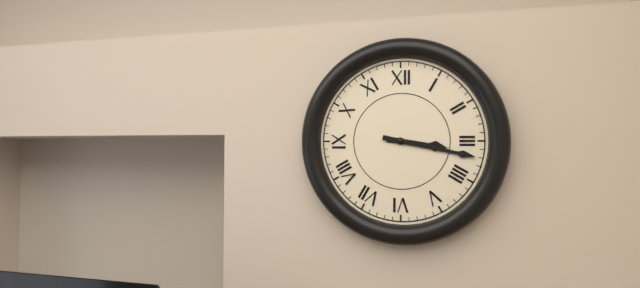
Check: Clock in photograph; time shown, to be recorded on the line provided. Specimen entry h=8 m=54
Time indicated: h=3 m=17
